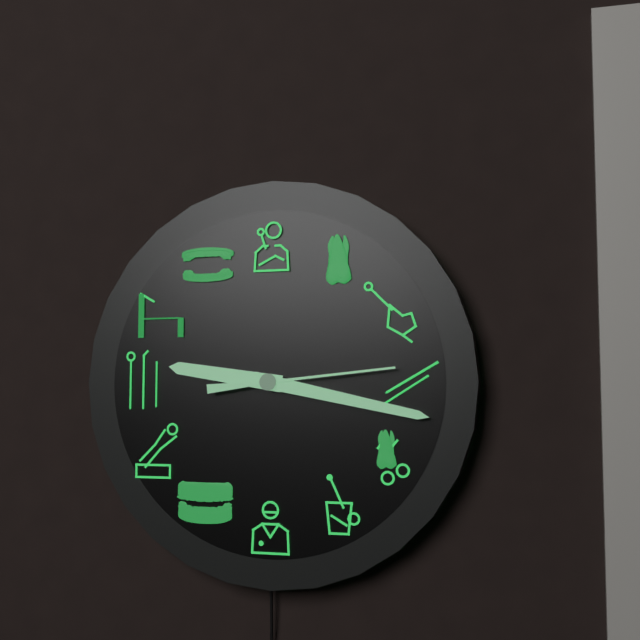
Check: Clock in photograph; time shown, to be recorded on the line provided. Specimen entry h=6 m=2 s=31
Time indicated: h=9 m=17 s=14
